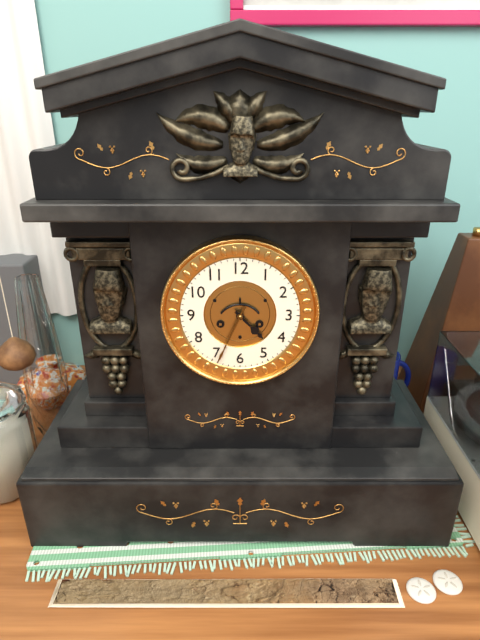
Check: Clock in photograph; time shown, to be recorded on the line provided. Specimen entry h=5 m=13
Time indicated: h=4 m=34
